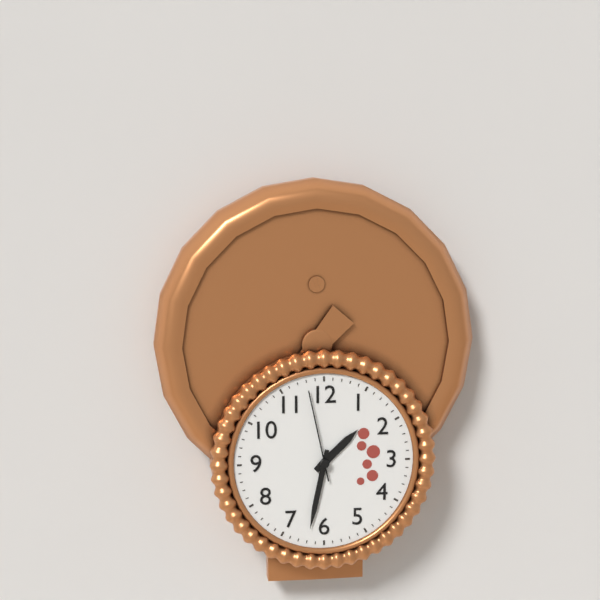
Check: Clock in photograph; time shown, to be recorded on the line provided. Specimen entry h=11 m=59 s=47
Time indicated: h=1 m=32 s=58
